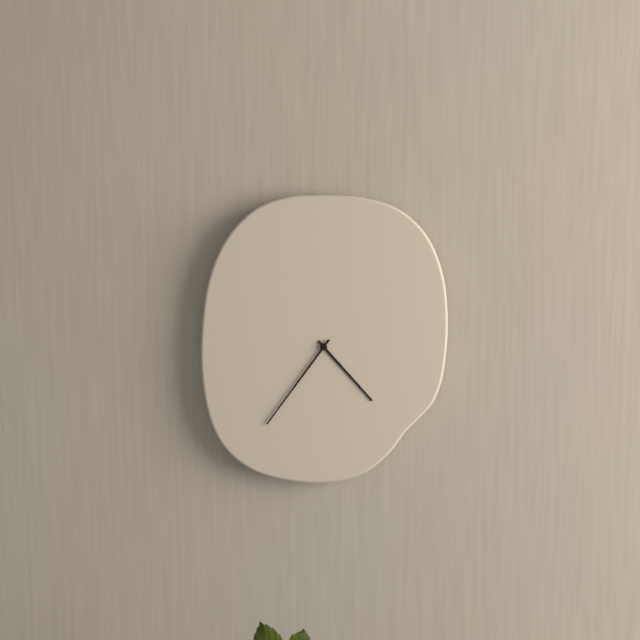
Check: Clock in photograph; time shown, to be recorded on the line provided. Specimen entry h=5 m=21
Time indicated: h=4 m=36
